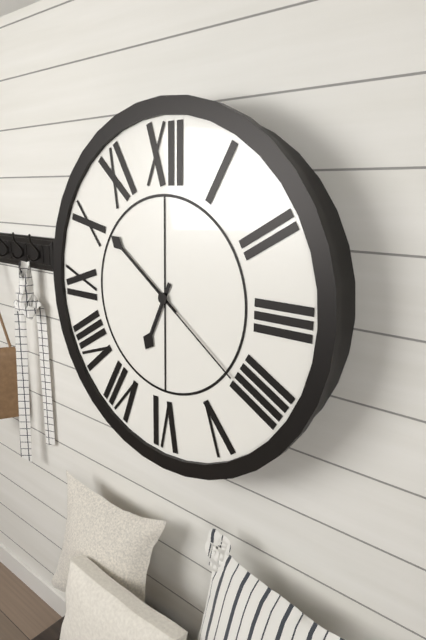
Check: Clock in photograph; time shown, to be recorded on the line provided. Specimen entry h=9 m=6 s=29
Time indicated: h=6 m=51 s=21
